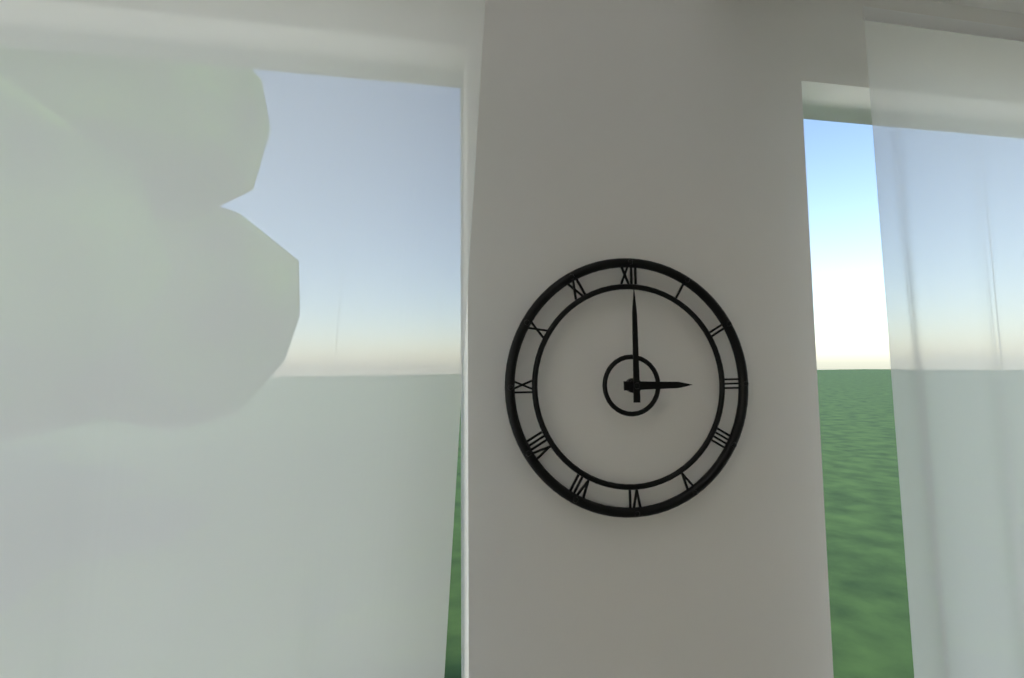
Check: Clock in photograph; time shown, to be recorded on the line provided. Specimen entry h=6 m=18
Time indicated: h=3 m=0
